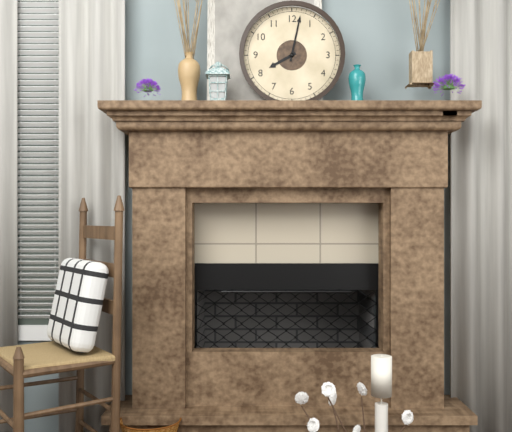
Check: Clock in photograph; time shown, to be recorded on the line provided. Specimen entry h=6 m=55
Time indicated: h=8 m=2
